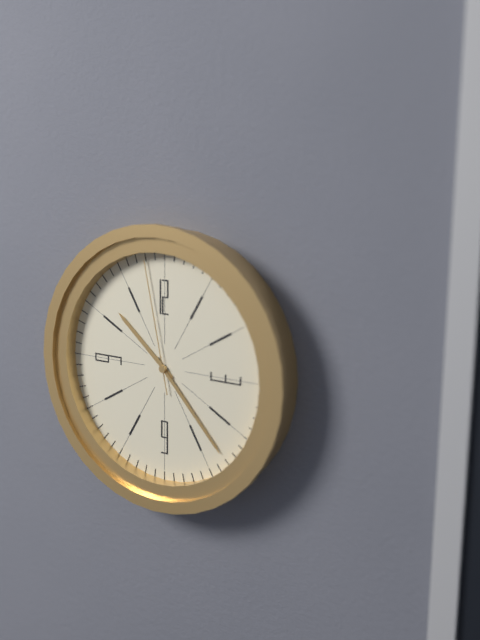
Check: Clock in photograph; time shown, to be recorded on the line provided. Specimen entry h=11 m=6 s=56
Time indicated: h=10 m=23 s=58
